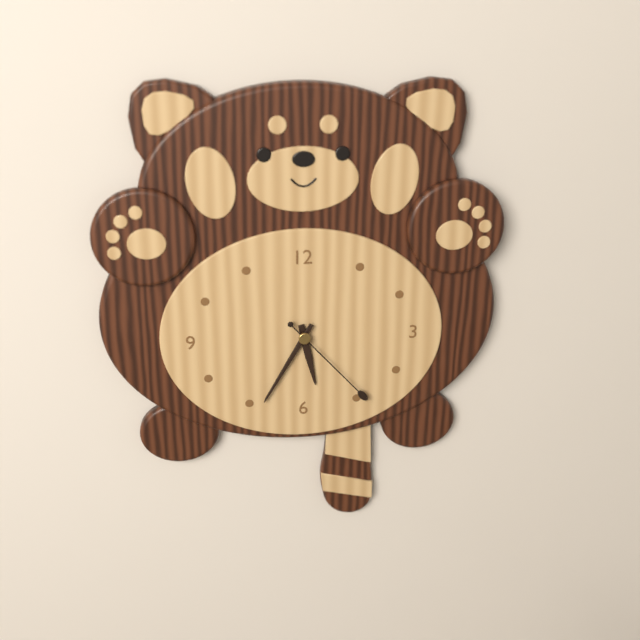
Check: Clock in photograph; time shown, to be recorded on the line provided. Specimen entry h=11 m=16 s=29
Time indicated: h=5 m=35 s=23
